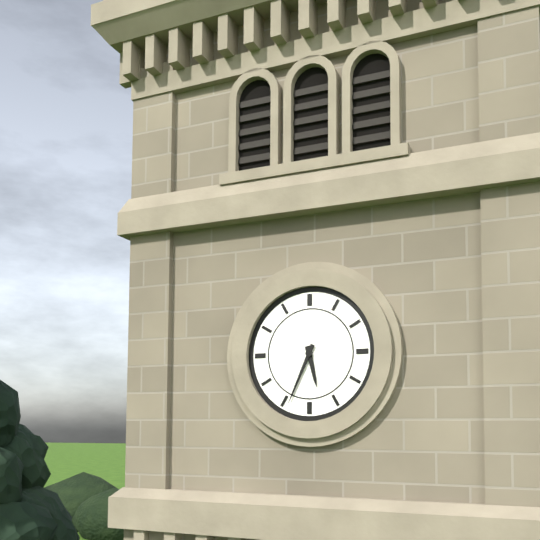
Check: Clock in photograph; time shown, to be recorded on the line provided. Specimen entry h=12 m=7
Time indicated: h=5 m=34
